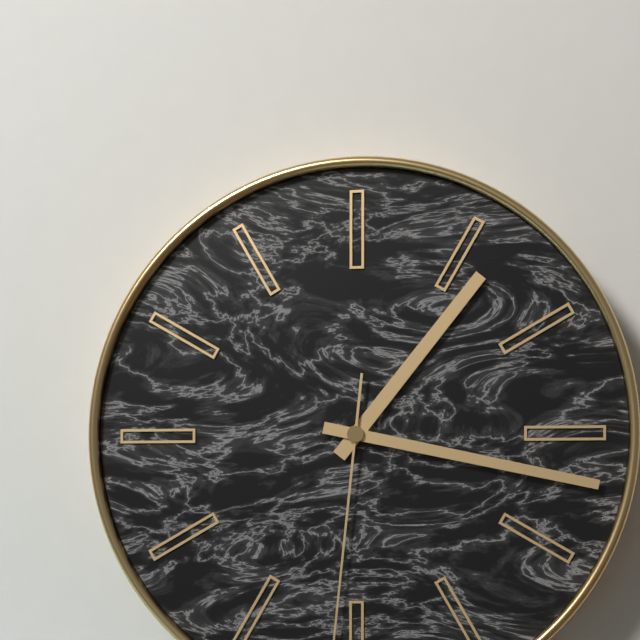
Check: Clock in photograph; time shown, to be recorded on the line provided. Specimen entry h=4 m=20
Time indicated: h=1 m=17
